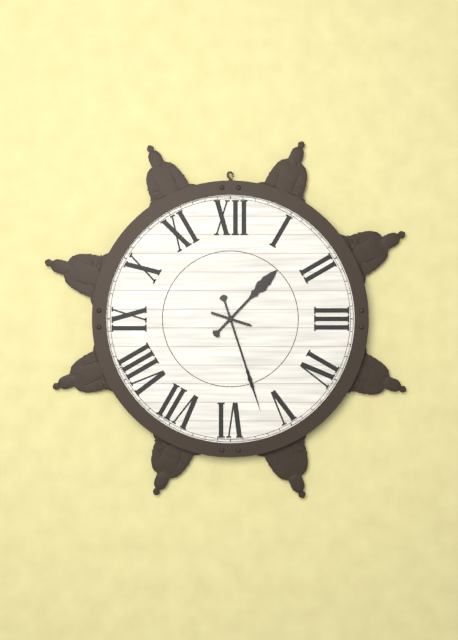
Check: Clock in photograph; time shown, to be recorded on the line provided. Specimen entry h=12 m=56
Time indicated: h=1 m=27
